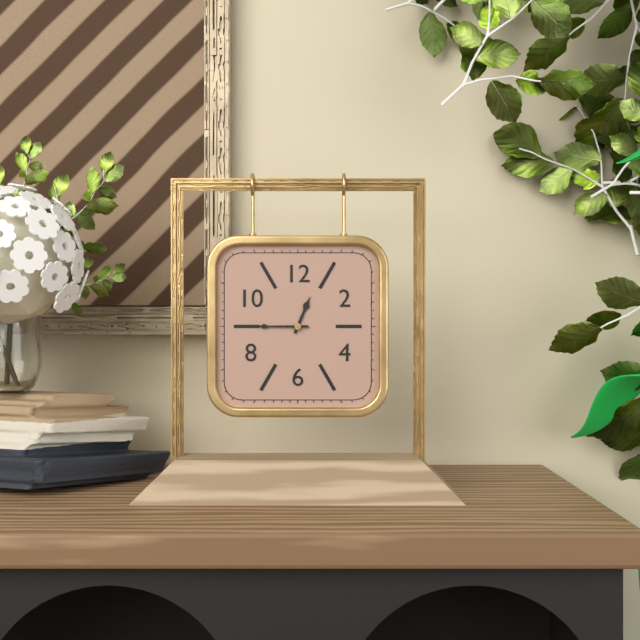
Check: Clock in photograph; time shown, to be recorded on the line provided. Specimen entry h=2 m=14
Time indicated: h=12 m=45
